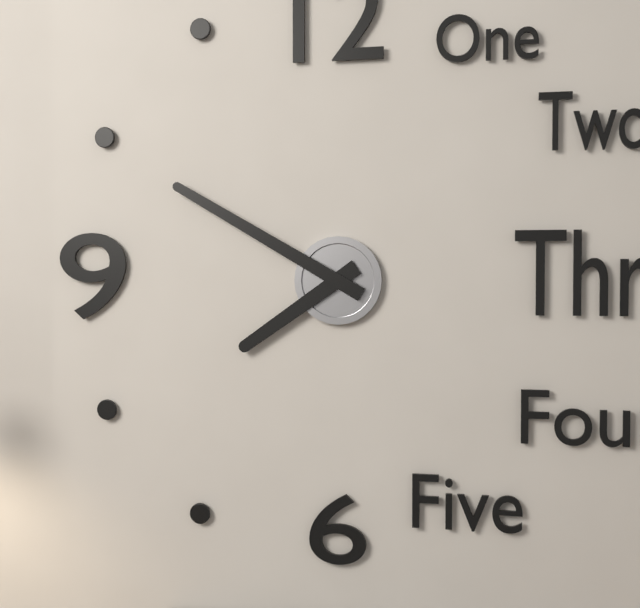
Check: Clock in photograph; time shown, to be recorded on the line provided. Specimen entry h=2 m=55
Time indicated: h=7 m=50
